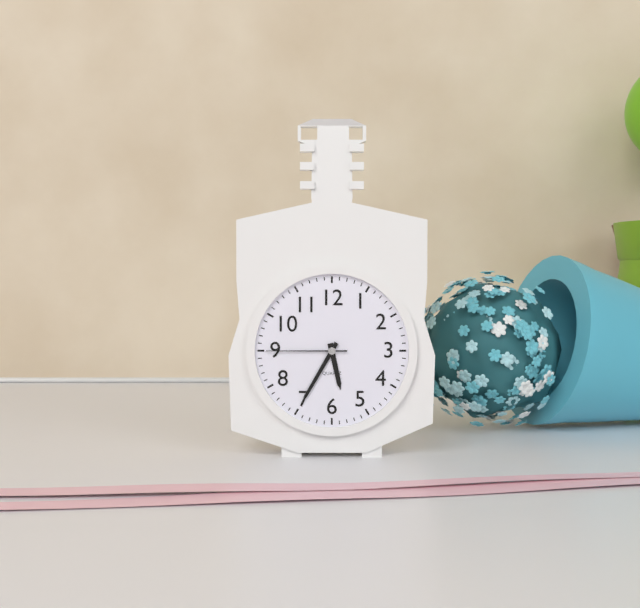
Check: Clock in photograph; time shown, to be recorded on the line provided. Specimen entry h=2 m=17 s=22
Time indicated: h=5 m=35 s=45
